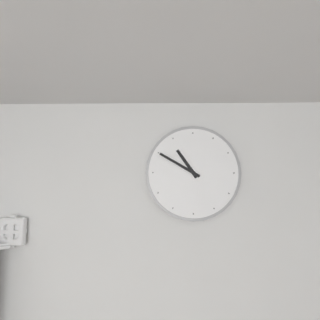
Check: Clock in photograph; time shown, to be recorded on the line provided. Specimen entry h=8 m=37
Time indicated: h=10 m=50
